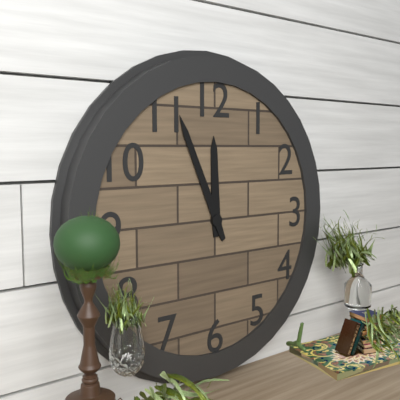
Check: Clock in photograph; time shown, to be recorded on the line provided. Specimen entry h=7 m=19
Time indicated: h=11 m=56
